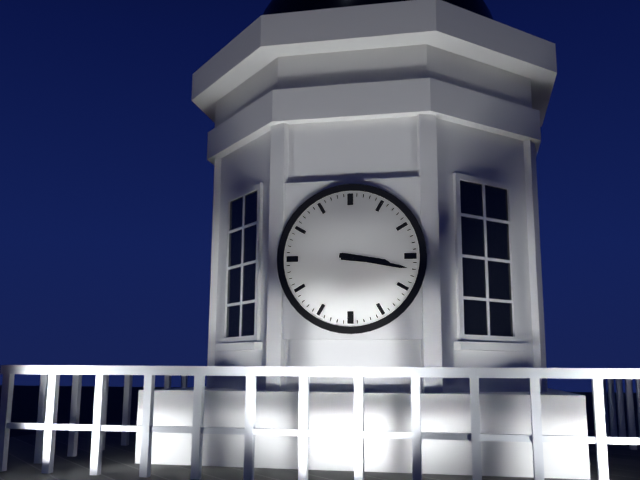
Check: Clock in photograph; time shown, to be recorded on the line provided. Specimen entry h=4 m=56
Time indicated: h=3 m=17
